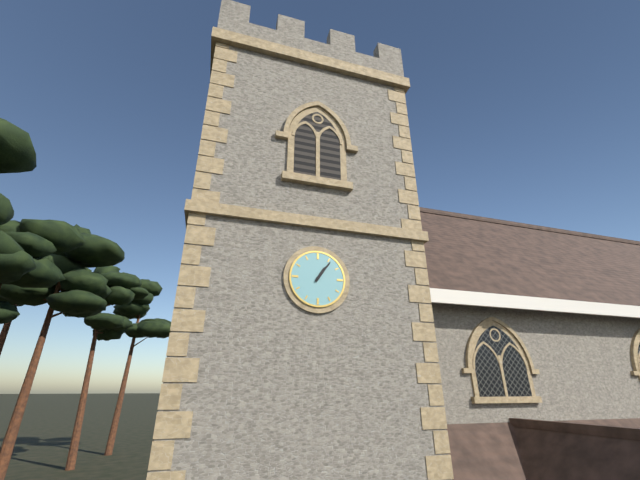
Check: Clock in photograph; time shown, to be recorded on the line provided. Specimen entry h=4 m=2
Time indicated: h=1 m=6
